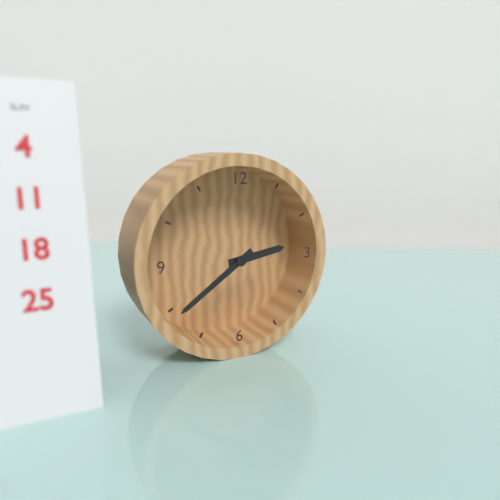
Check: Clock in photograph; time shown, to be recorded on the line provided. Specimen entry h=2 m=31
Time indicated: h=2 m=39
